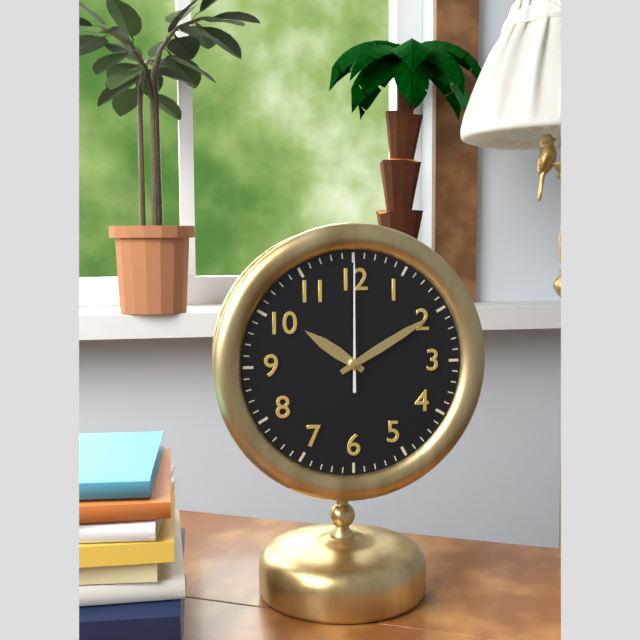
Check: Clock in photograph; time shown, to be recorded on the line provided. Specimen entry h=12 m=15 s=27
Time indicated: h=10 m=10 s=0
